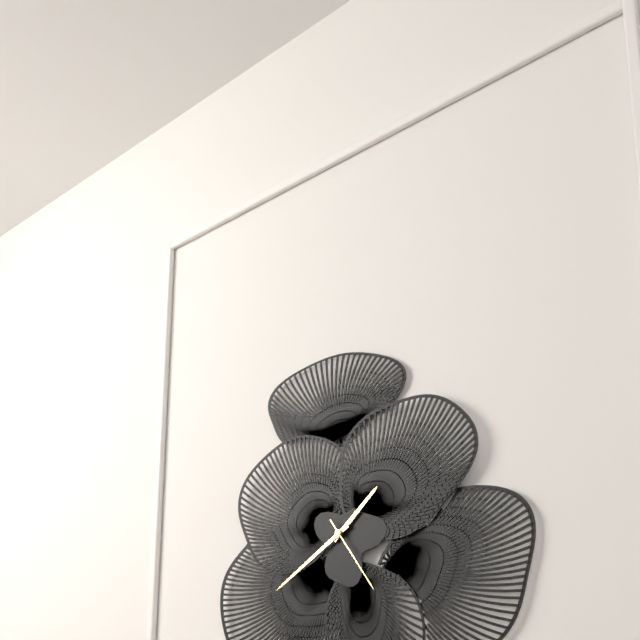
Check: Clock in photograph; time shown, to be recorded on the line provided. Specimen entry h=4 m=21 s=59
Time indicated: h=1 m=40 s=24
